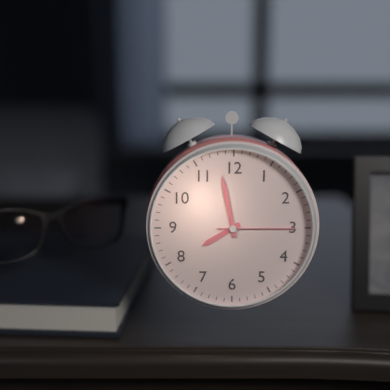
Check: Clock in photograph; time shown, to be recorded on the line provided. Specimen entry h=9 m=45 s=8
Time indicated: h=7 m=58 s=15
